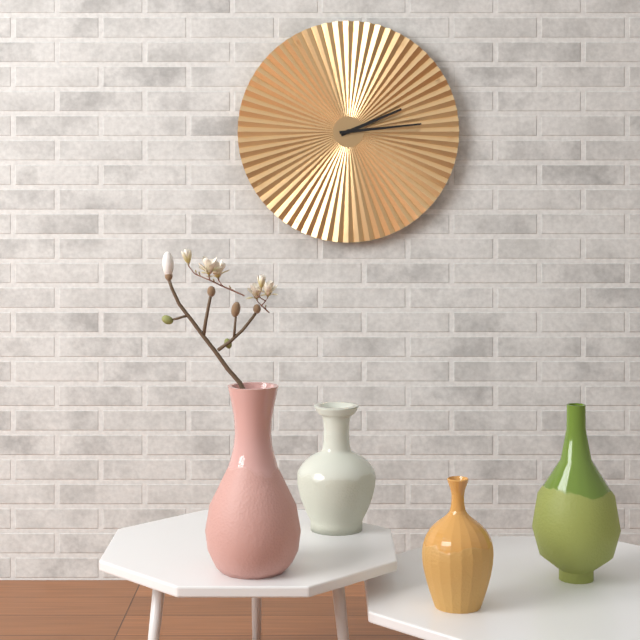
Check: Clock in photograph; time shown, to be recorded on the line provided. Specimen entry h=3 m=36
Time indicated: h=2 m=14
